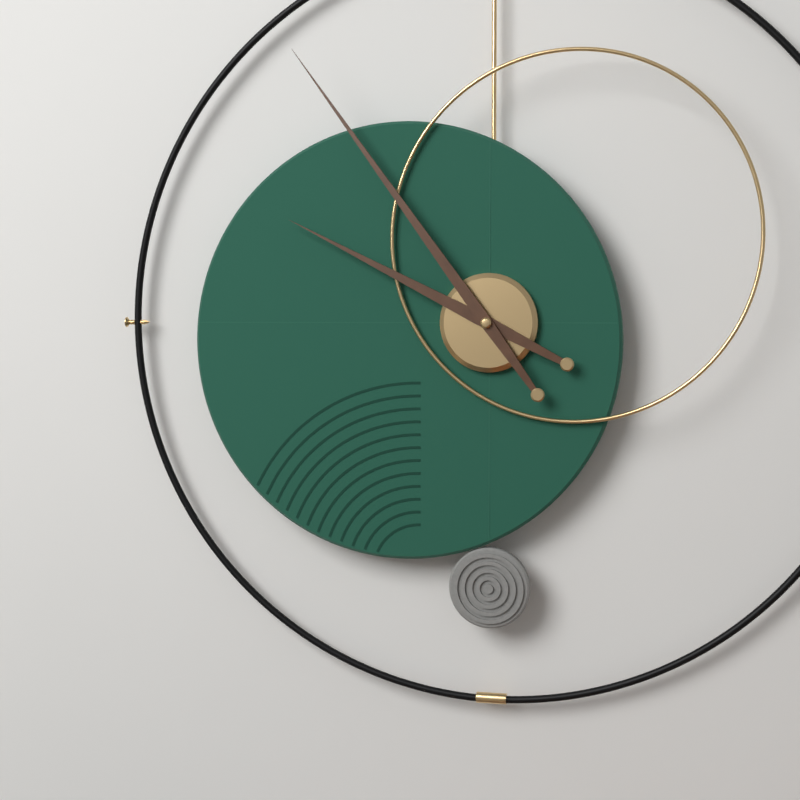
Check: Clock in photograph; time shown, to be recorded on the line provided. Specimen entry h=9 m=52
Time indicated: h=9 m=54
